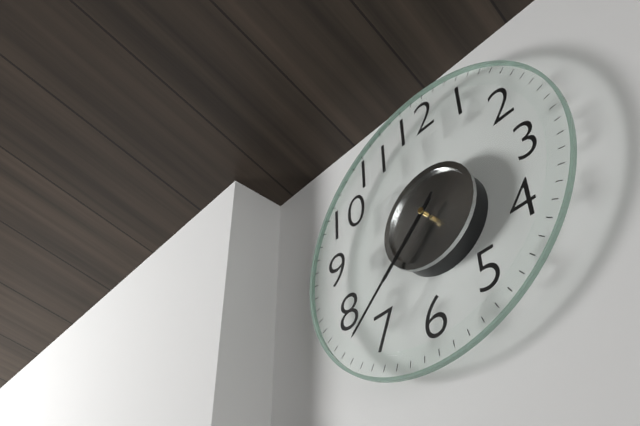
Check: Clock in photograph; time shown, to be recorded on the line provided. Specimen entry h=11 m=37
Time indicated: h=7 m=38
